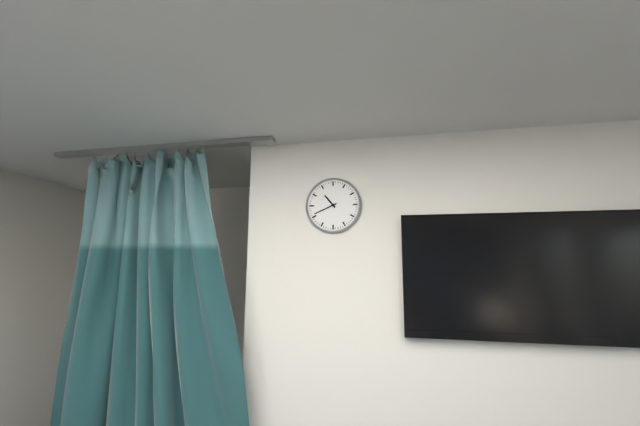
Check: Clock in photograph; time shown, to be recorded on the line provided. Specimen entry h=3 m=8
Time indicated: h=10 m=41
